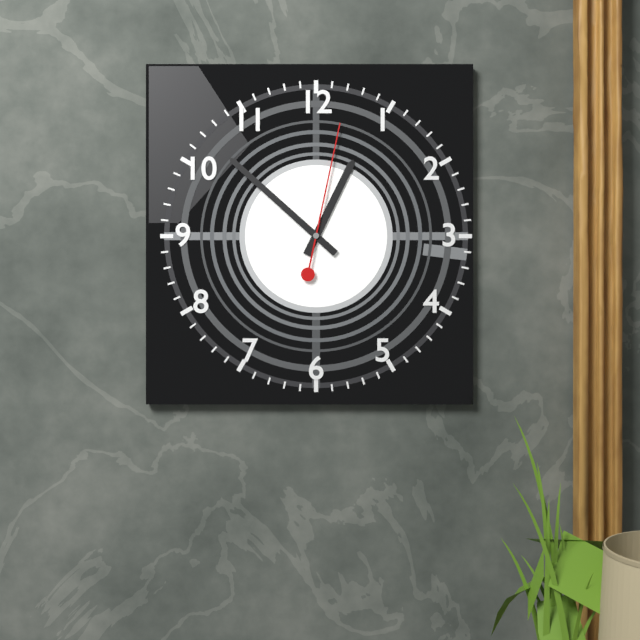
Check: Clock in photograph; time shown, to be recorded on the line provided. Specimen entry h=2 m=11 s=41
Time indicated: h=12 m=52 s=2
